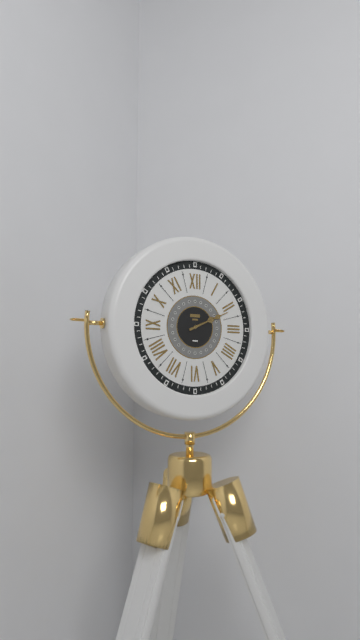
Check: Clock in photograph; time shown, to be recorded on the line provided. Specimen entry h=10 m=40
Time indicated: h=2 m=11
